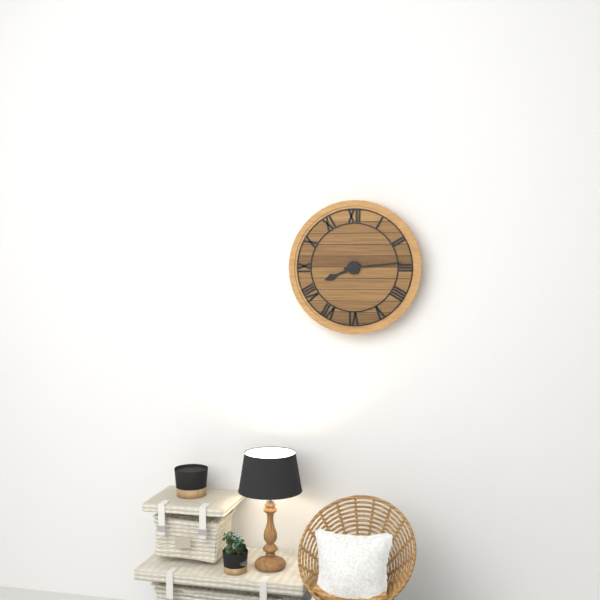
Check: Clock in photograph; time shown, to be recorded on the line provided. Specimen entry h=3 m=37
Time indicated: h=8 m=14
